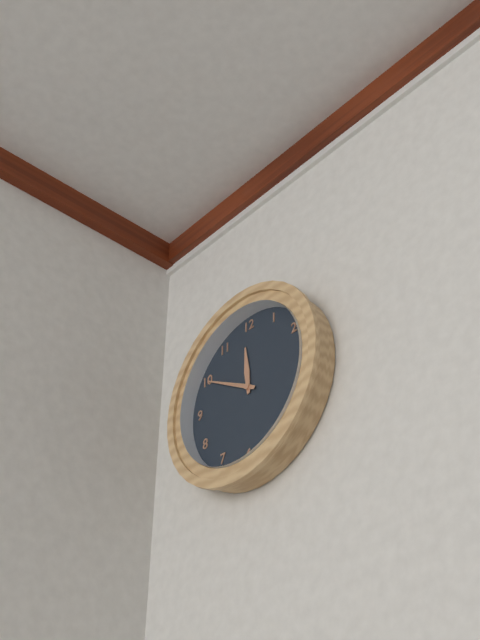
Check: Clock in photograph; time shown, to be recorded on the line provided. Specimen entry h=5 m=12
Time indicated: h=11 m=50
